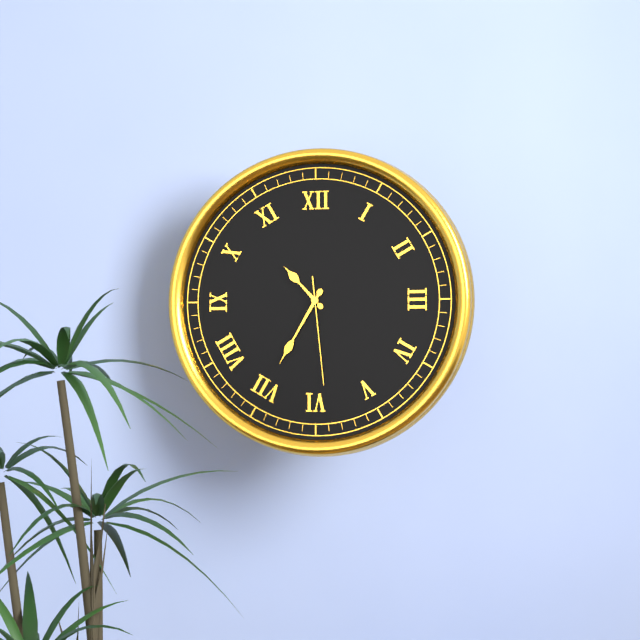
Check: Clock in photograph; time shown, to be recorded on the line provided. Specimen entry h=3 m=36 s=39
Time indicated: h=10 m=35 s=29
